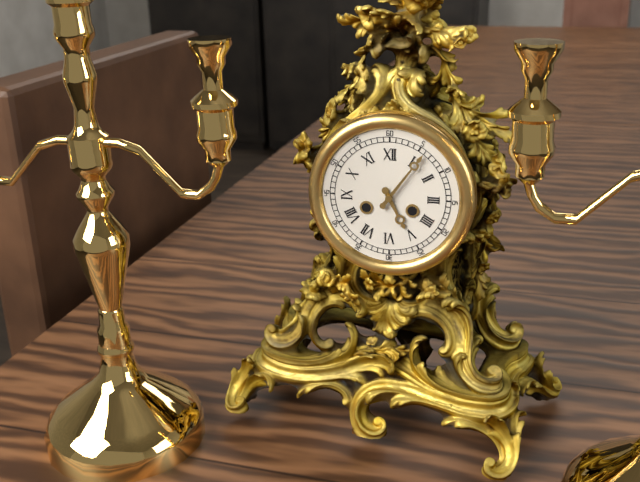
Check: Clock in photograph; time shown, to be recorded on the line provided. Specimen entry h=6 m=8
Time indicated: h=5 m=6
